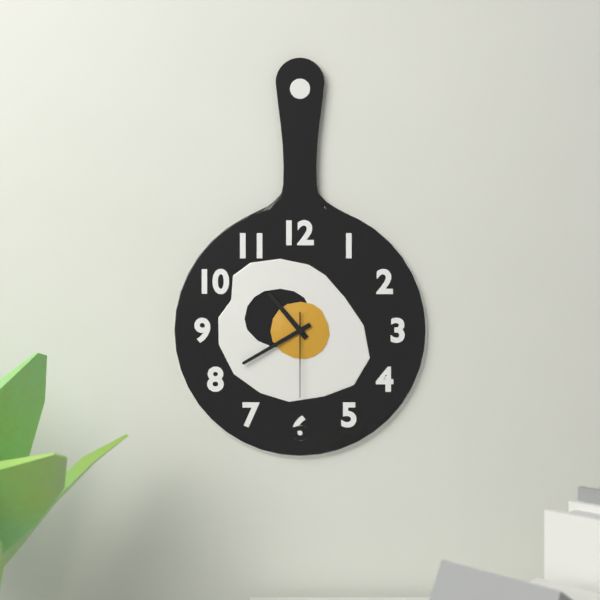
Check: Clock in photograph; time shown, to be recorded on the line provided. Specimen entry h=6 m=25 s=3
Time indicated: h=10 m=40 s=30
